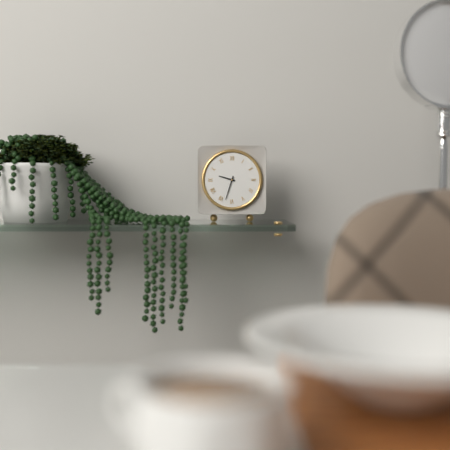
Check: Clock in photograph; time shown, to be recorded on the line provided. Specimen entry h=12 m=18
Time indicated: h=9 m=33
